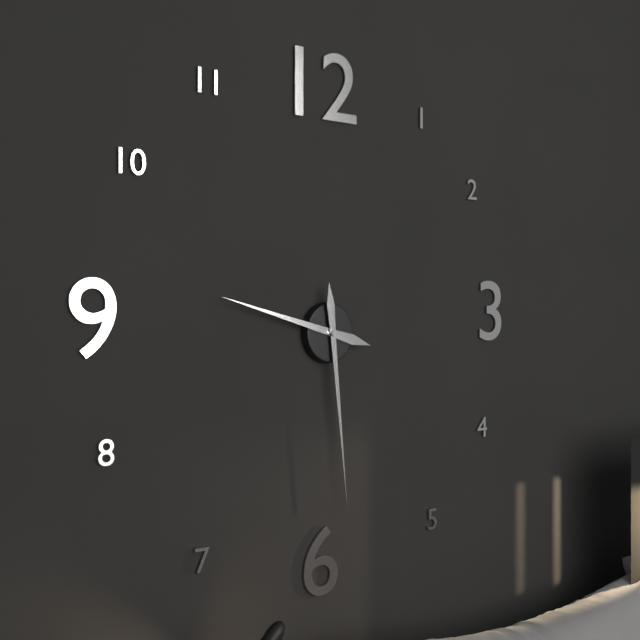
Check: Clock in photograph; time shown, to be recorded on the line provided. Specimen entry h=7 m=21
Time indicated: h=9 m=29
